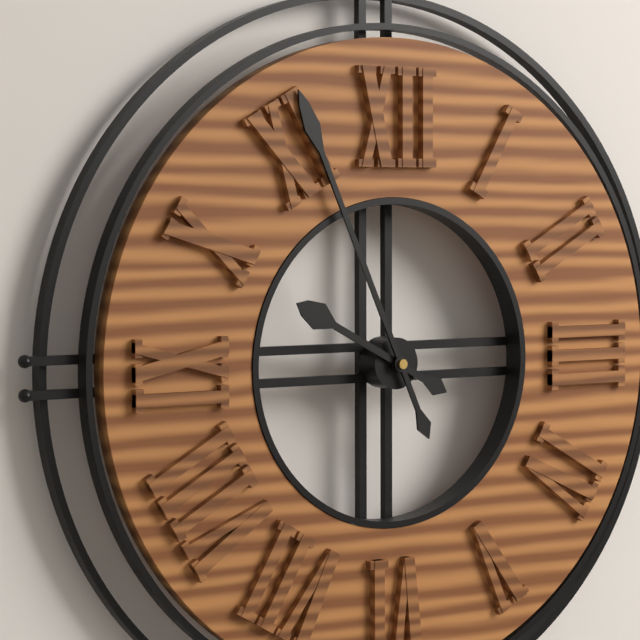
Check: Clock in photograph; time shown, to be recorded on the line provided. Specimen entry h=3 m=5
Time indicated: h=9 m=56
